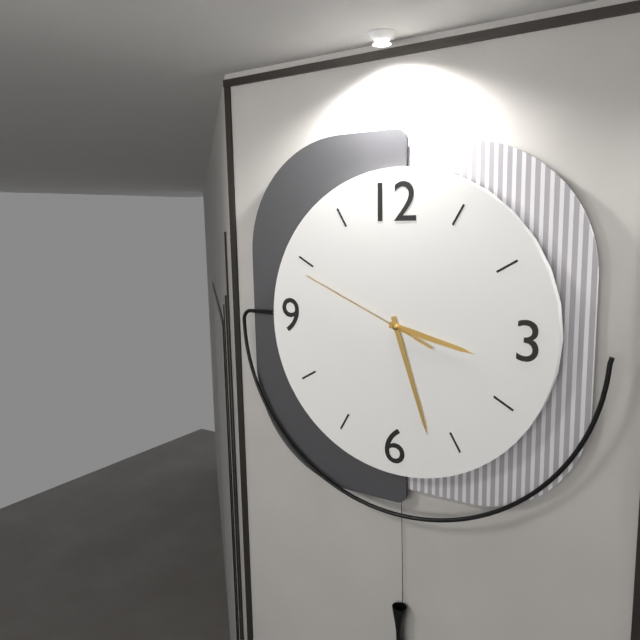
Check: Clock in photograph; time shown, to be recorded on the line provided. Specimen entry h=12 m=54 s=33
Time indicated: h=3 m=27 s=49
